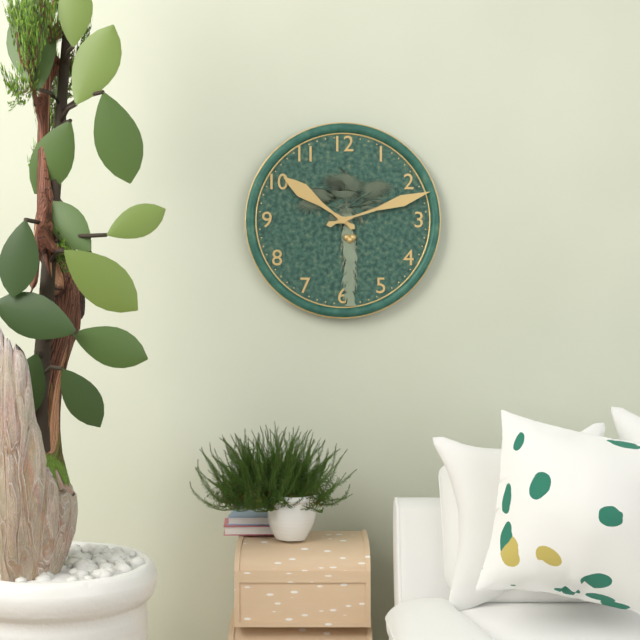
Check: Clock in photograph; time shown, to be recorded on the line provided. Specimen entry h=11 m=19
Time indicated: h=10 m=12
